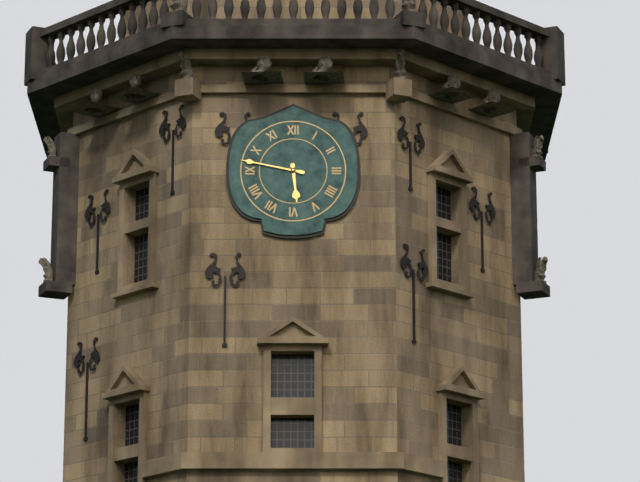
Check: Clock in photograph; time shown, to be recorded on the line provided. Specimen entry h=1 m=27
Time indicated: h=5 m=47
